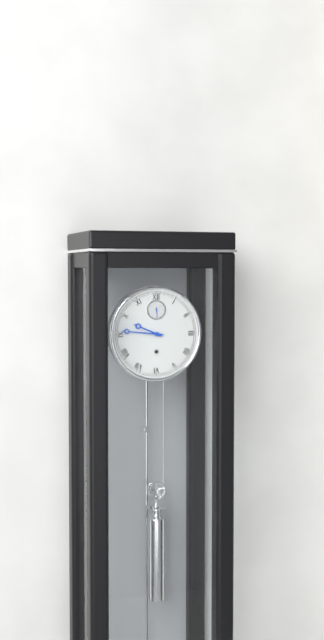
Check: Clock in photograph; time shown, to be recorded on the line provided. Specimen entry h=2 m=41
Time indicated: h=9 m=46
